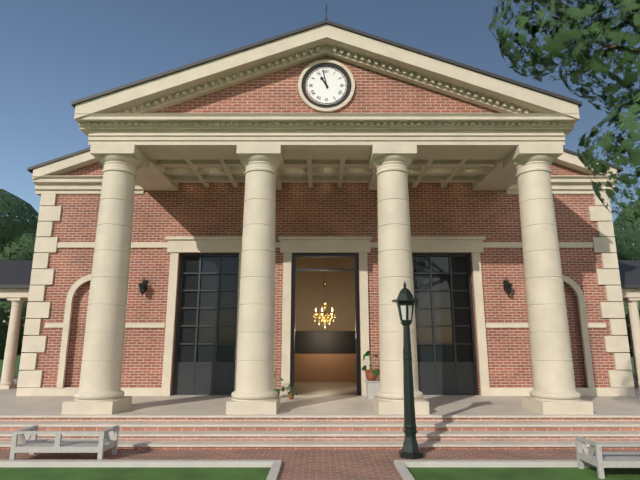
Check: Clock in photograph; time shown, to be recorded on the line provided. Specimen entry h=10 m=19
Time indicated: h=10 m=58
